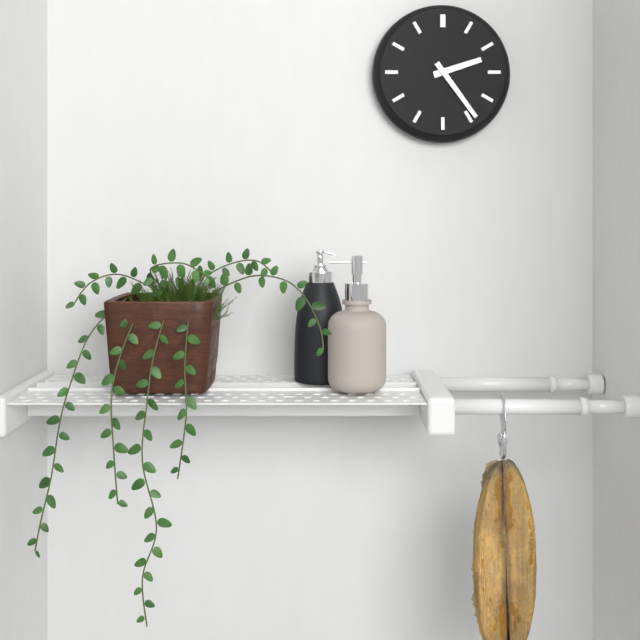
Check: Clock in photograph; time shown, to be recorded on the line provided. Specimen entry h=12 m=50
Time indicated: h=2 m=24
